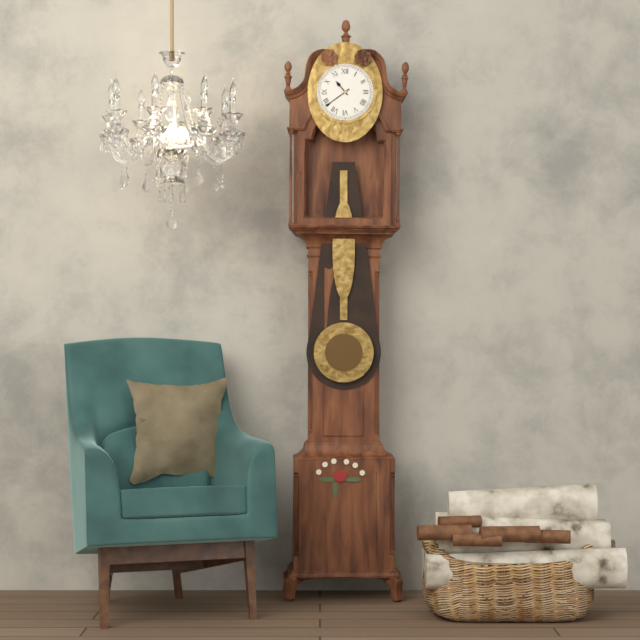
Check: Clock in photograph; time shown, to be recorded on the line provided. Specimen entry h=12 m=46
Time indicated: h=10 m=39
